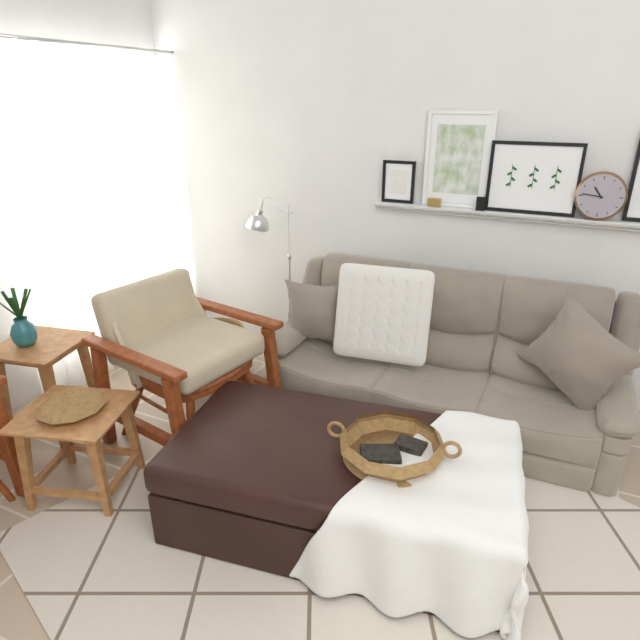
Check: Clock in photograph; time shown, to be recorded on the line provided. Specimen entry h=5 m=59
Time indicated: h=10 m=46
